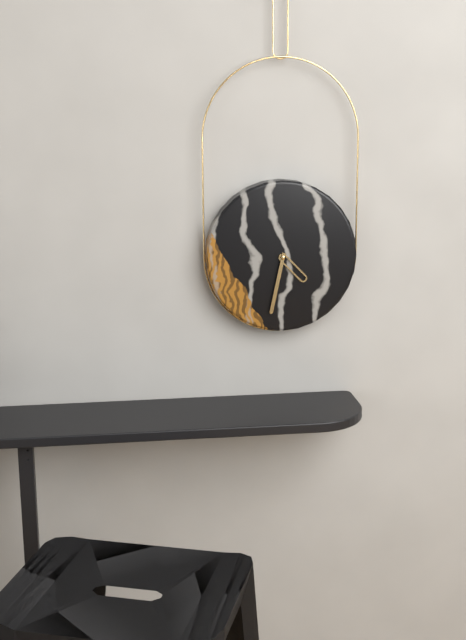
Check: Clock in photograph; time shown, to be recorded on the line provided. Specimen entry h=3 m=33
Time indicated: h=4 m=32
